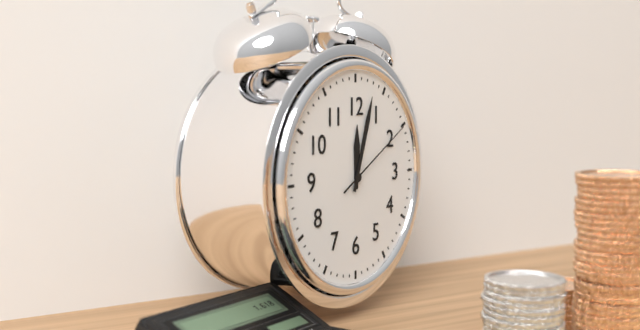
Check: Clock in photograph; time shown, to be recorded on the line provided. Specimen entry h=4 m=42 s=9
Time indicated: h=12 m=3 s=10
